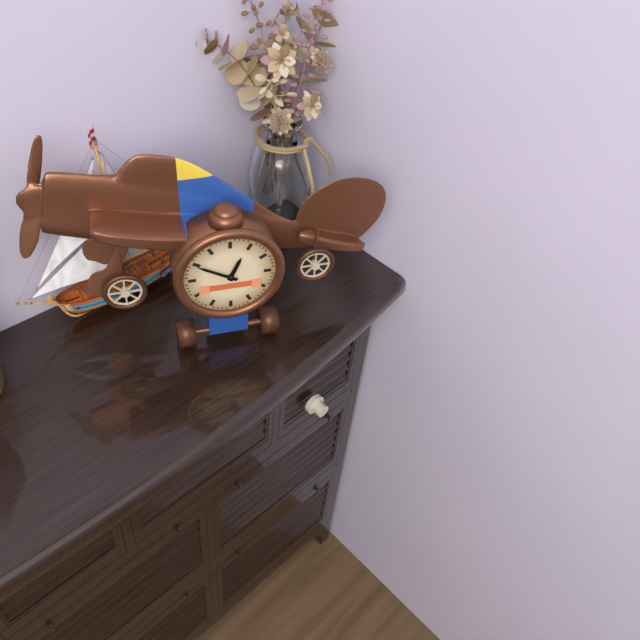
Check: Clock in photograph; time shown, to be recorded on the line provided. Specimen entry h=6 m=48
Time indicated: h=12 m=50
